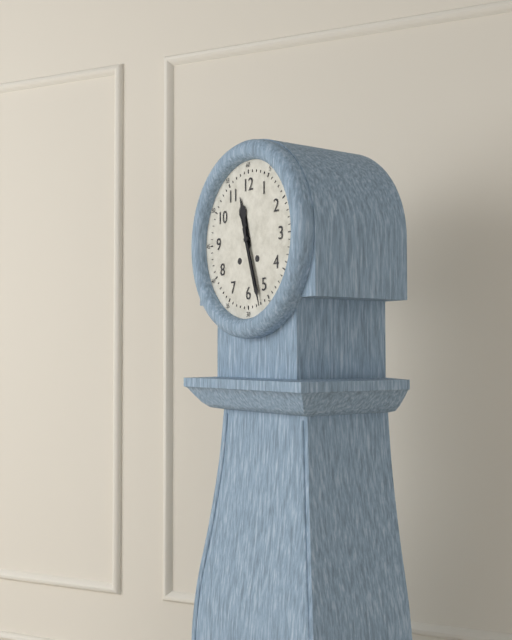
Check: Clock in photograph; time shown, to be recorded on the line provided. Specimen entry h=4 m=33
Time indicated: h=11 m=27
